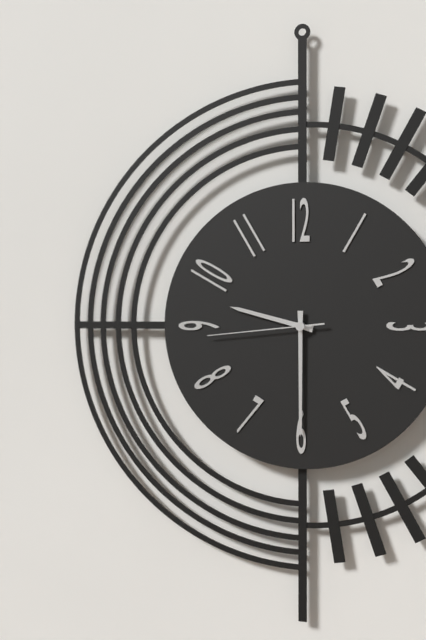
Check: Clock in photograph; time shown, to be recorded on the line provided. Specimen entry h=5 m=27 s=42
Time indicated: h=9 m=30 s=44
